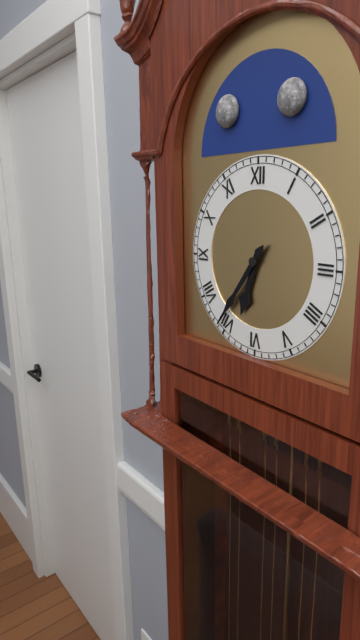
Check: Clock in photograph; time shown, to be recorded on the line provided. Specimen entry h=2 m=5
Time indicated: h=6 m=36
